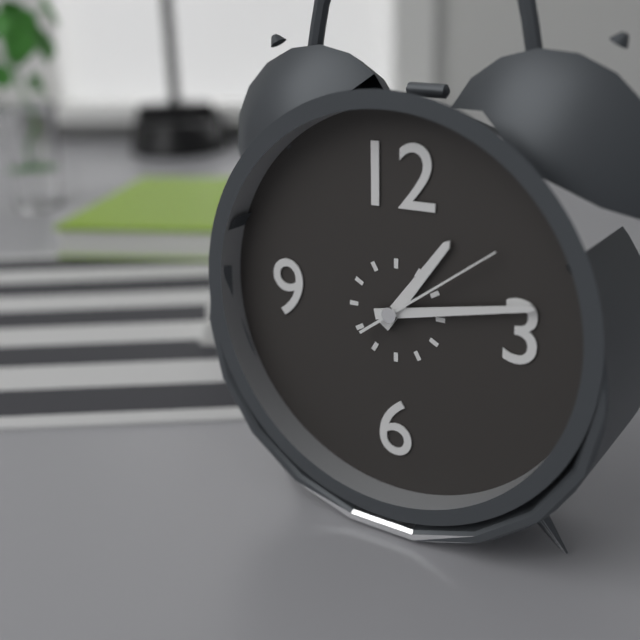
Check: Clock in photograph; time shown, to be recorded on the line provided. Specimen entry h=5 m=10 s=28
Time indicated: h=1 m=13 s=9
